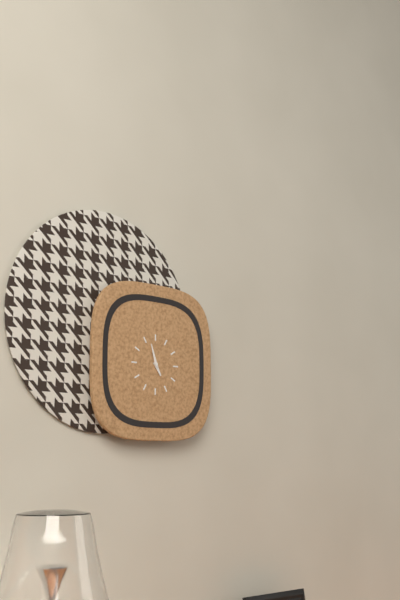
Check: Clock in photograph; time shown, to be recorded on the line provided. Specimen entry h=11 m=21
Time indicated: h=4 m=57
